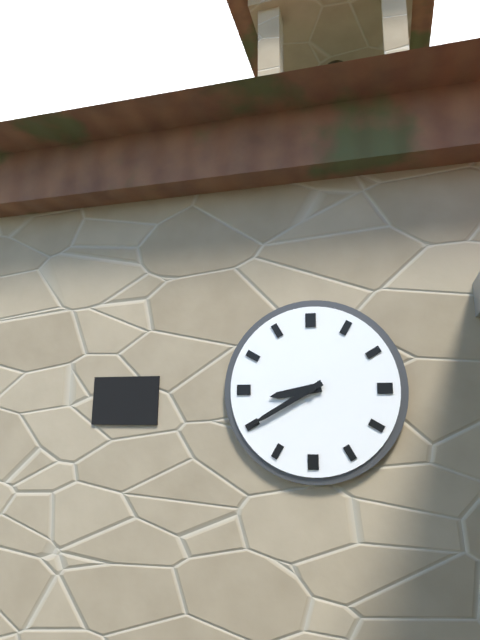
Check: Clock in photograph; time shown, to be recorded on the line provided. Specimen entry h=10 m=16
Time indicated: h=8 m=40
